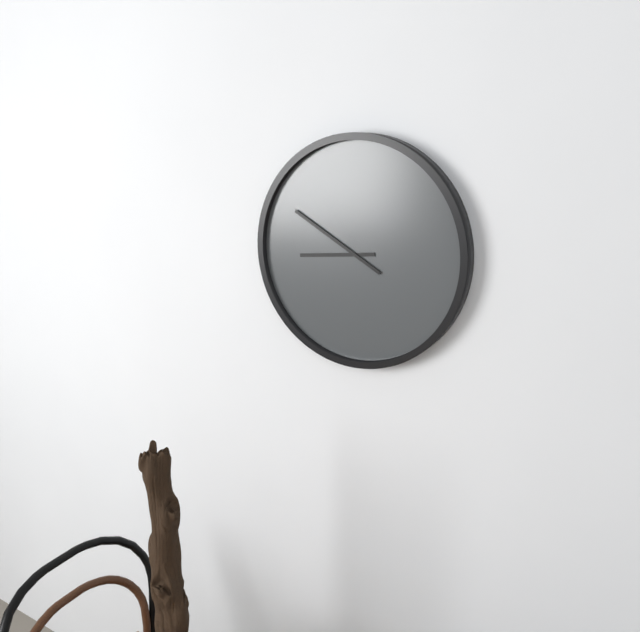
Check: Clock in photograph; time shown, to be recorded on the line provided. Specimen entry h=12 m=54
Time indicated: h=8 m=50
